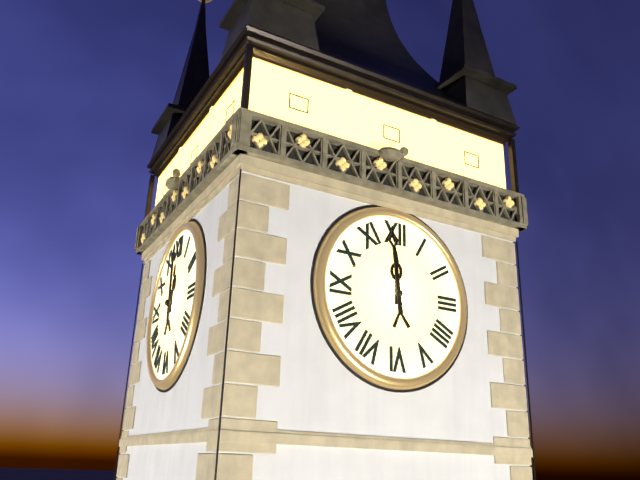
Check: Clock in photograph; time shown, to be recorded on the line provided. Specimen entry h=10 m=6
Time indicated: h=11 m=59
